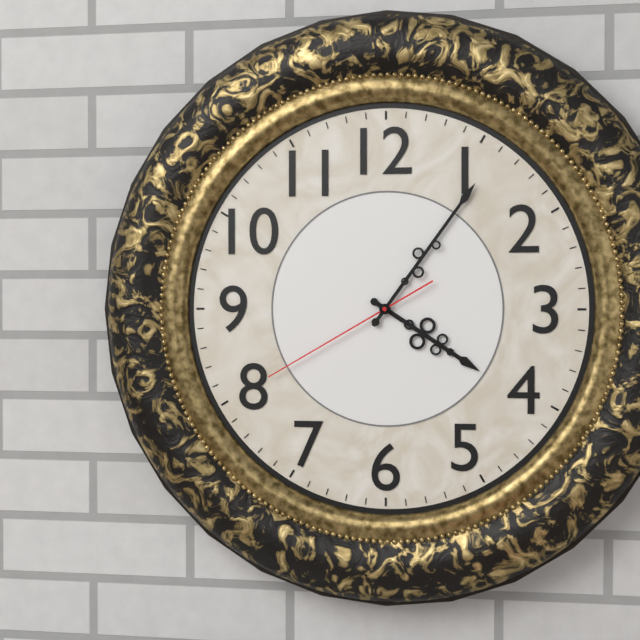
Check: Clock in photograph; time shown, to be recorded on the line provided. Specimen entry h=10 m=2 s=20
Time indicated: h=4 m=6 s=40
